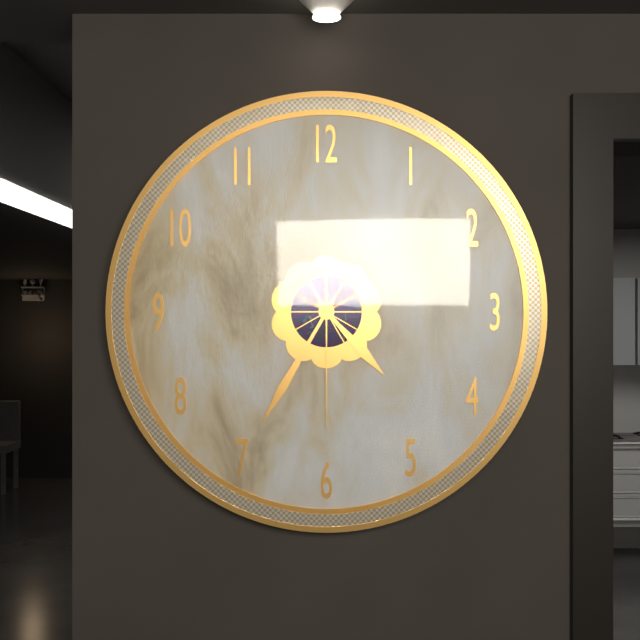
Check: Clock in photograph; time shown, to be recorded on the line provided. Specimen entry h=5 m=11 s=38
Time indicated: h=4 m=35 s=30
